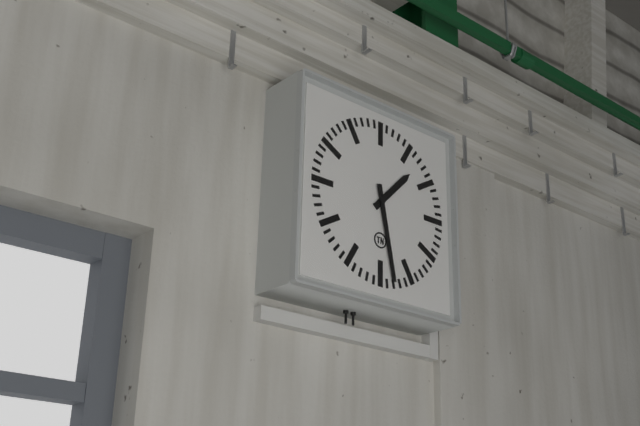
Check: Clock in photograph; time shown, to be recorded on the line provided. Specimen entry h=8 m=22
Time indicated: h=1 m=28
